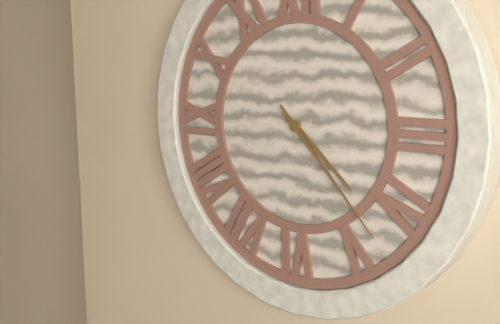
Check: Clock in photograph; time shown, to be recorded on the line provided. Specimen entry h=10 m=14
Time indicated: h=4 m=23
